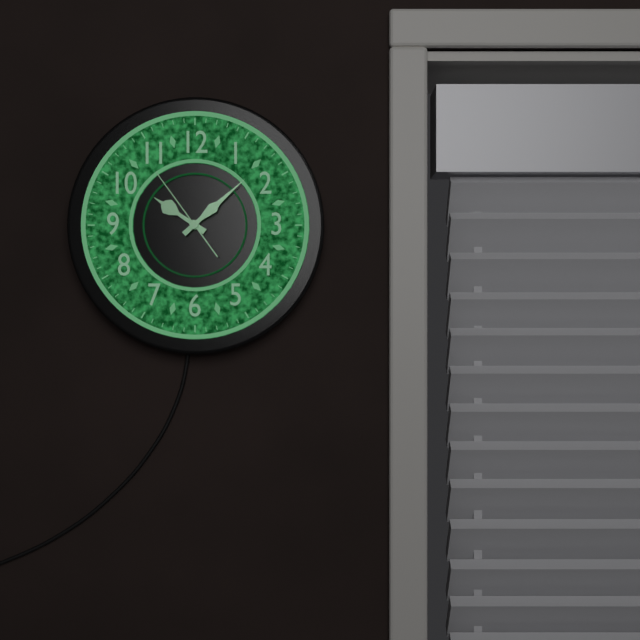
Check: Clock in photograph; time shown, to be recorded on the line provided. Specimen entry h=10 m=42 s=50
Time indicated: h=10 m=8 s=54
